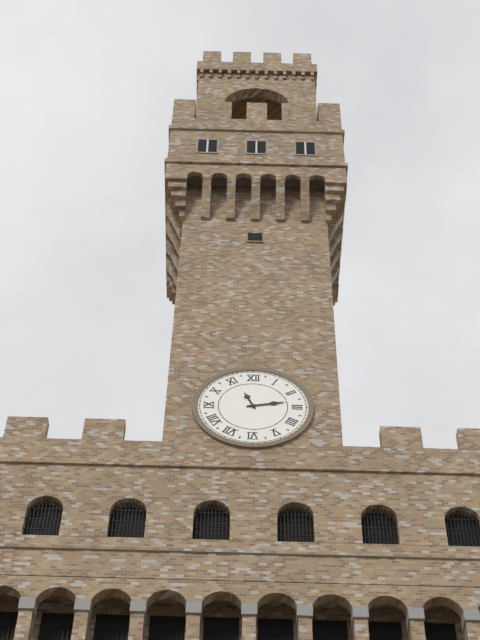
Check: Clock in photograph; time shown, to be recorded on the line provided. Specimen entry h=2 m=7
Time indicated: h=11 m=13
